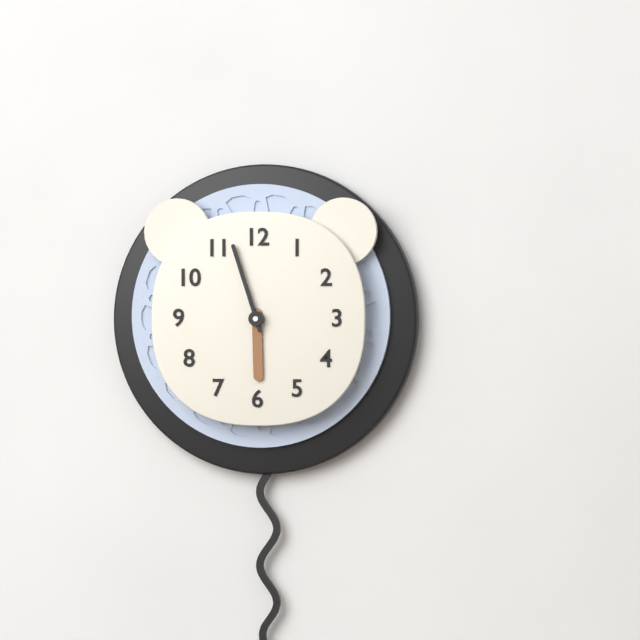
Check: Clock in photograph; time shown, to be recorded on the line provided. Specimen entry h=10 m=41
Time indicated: h=5 m=57
